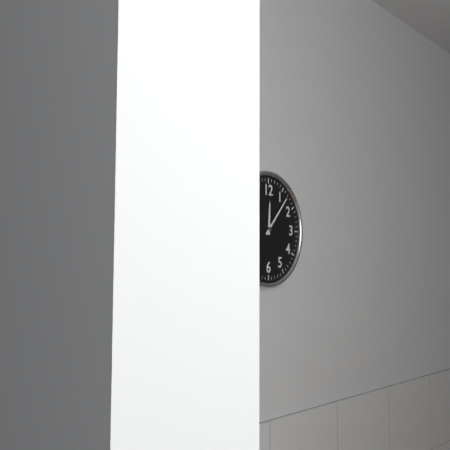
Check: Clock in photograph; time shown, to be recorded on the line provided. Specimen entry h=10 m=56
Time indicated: h=12 m=7
